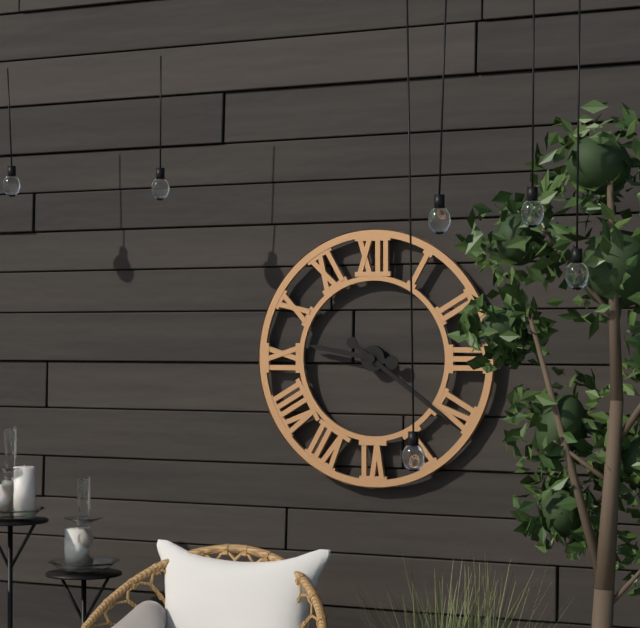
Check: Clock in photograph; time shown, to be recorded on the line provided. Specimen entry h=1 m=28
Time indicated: h=9 m=21
